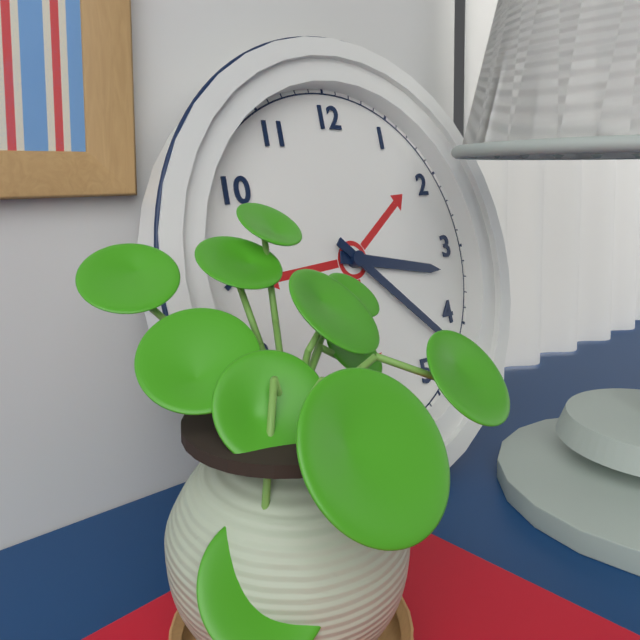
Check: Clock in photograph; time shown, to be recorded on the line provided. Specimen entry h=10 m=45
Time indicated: h=3 m=22
